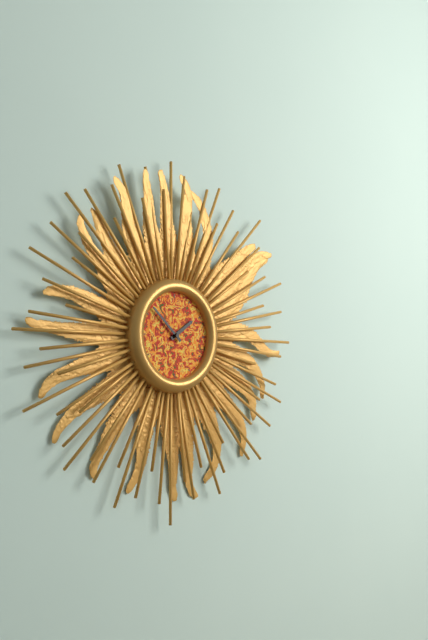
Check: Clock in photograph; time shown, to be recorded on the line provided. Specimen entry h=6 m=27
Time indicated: h=1 m=52
